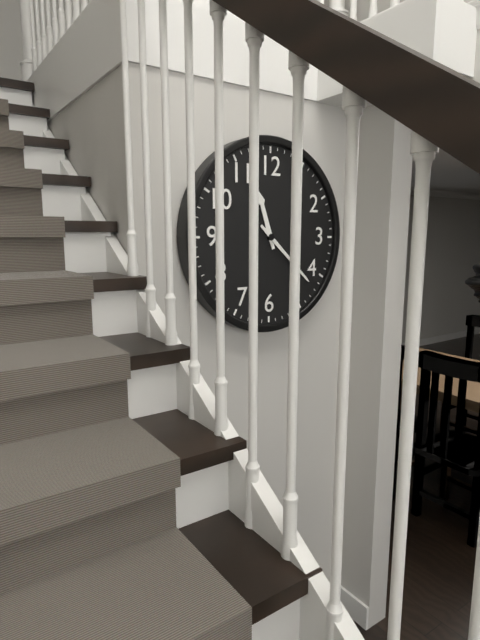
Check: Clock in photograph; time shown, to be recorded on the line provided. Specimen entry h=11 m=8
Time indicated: h=11 m=22
